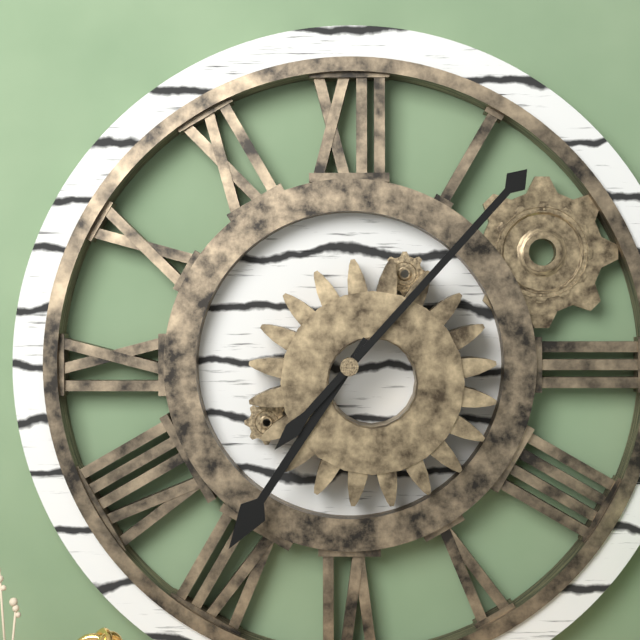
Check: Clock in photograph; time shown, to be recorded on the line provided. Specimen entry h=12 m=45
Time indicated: h=7 m=7
